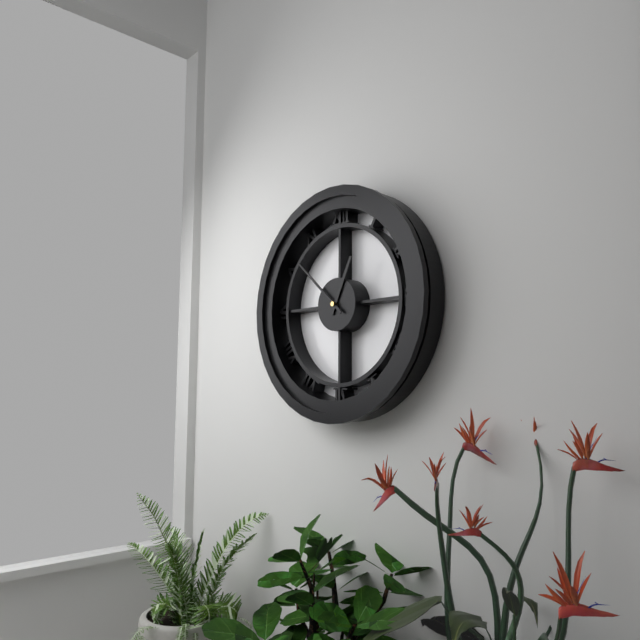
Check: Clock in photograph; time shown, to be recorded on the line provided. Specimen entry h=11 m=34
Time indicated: h=12 m=52
